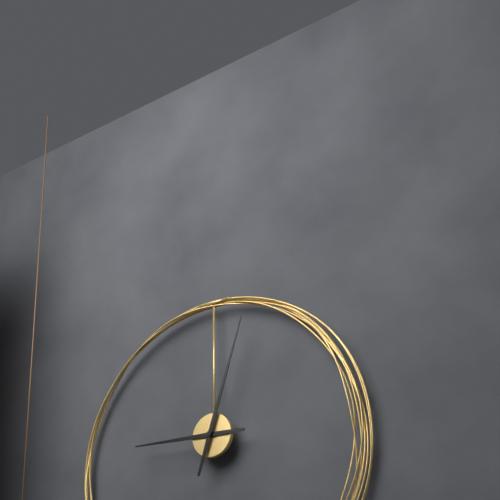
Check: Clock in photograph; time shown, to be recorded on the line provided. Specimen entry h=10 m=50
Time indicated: h=9 m=3
